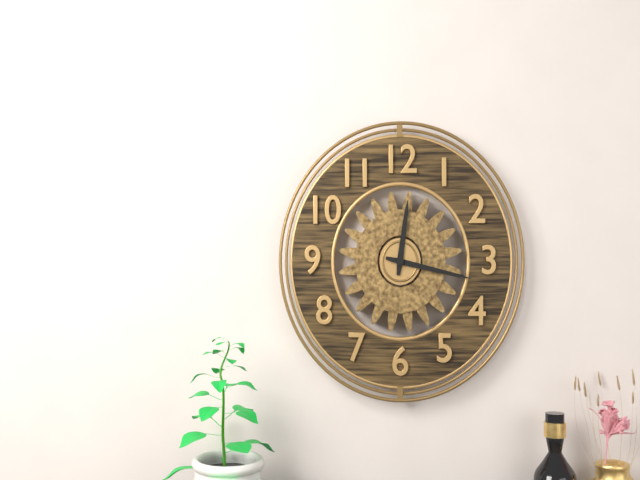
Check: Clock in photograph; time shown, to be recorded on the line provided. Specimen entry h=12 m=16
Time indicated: h=12 m=17
